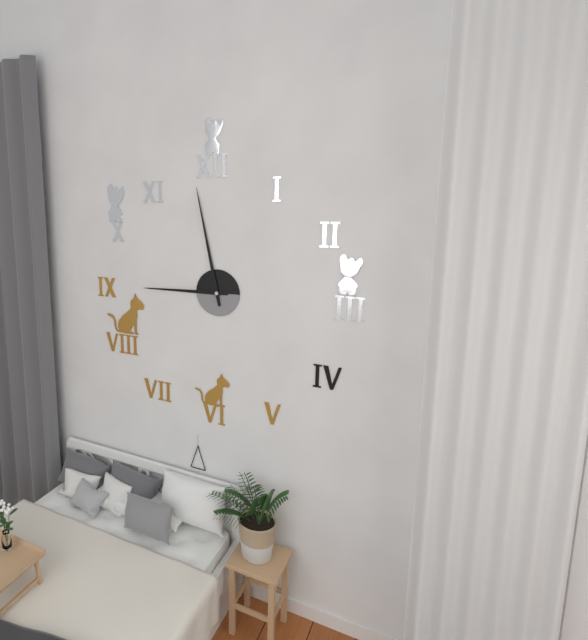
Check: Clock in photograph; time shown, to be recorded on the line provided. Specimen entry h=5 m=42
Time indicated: h=8 m=58
